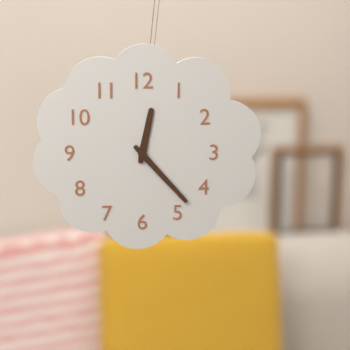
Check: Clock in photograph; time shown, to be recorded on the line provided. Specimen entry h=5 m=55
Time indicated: h=12 m=23
